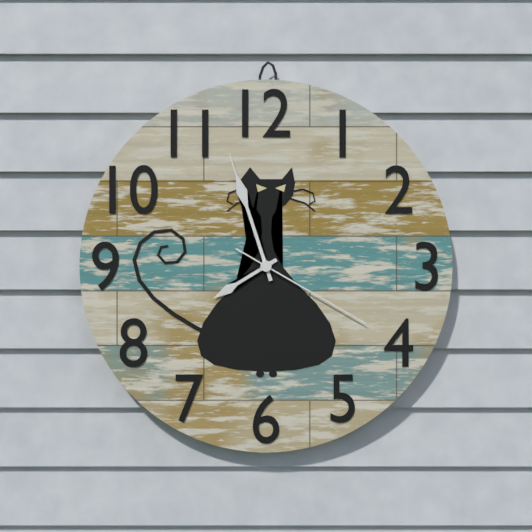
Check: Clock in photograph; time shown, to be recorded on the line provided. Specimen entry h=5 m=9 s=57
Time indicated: h=7 m=57 s=20
